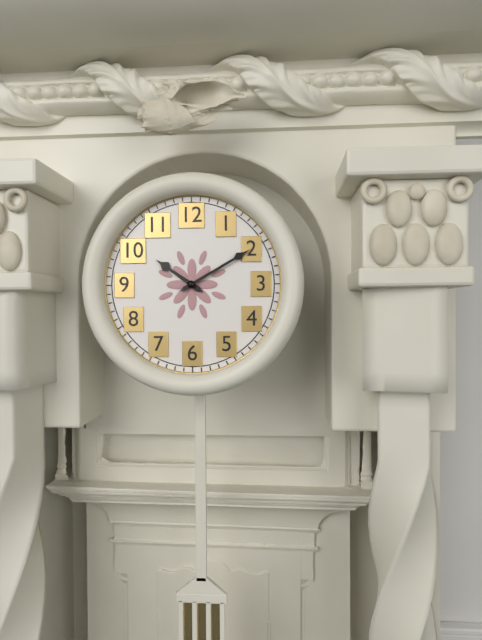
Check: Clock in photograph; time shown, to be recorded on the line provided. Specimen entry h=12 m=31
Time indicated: h=10 m=10
